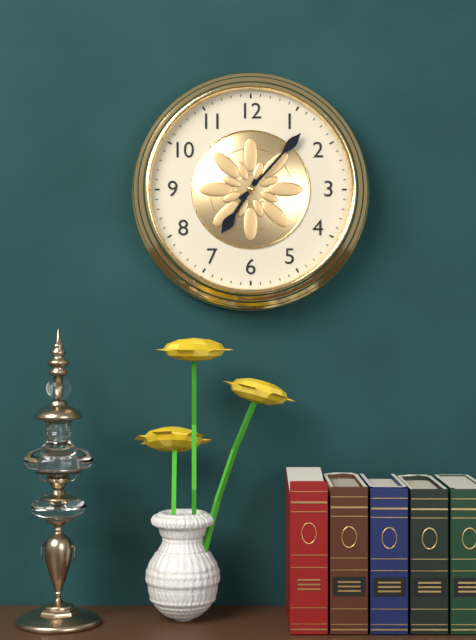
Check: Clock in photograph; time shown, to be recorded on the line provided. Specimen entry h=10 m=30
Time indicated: h=7 m=7
